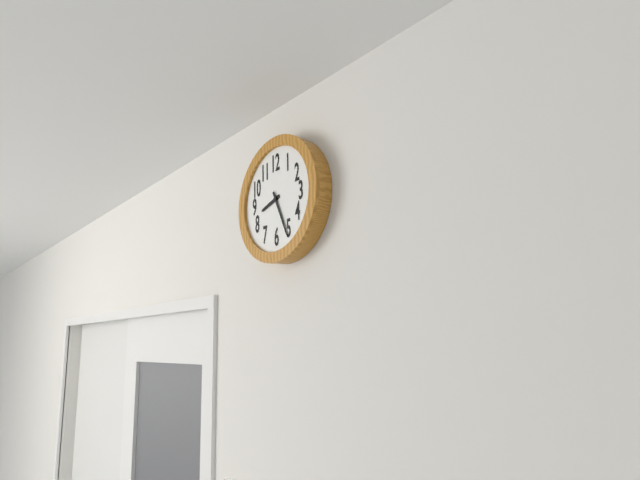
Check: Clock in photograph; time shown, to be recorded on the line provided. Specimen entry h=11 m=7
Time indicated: h=8 m=26
